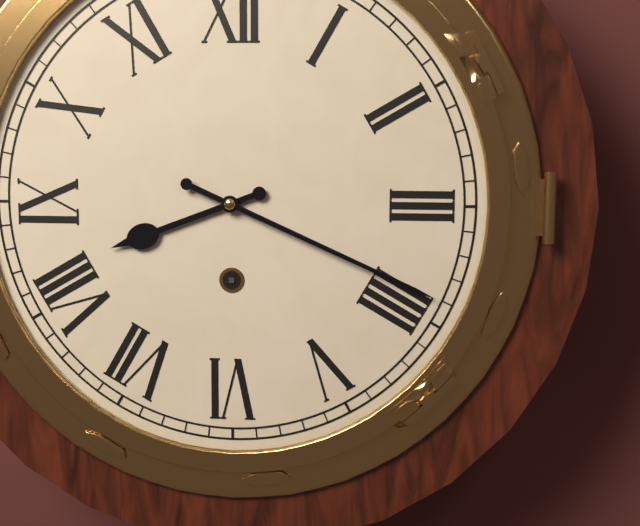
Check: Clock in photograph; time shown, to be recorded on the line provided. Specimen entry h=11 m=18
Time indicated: h=8 m=19
